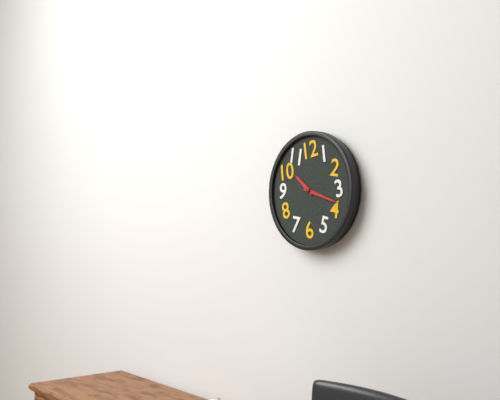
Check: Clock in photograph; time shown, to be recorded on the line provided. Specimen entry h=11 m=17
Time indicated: h=10 m=18
